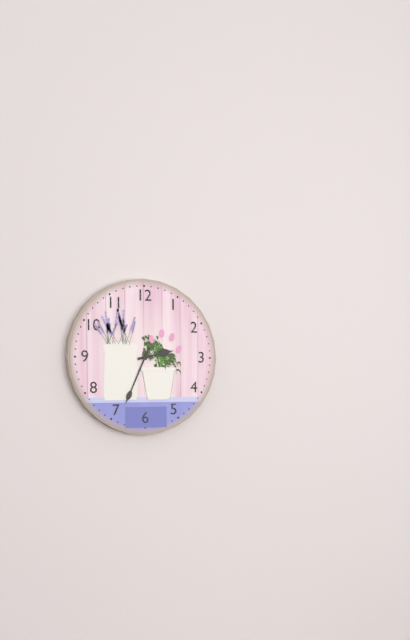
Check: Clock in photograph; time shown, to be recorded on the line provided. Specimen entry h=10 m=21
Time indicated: h=2 m=34
